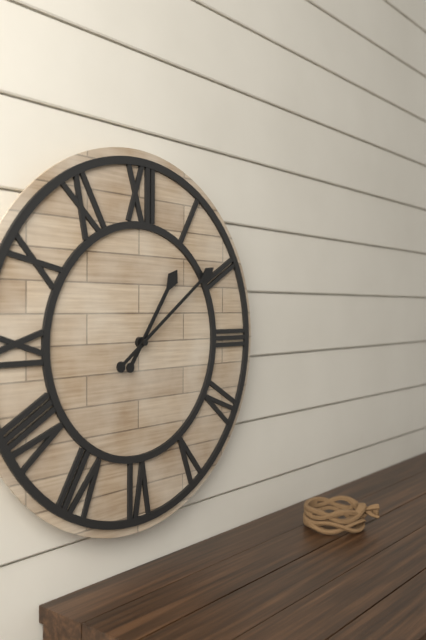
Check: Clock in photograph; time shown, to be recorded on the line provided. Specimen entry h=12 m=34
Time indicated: h=1 m=9
